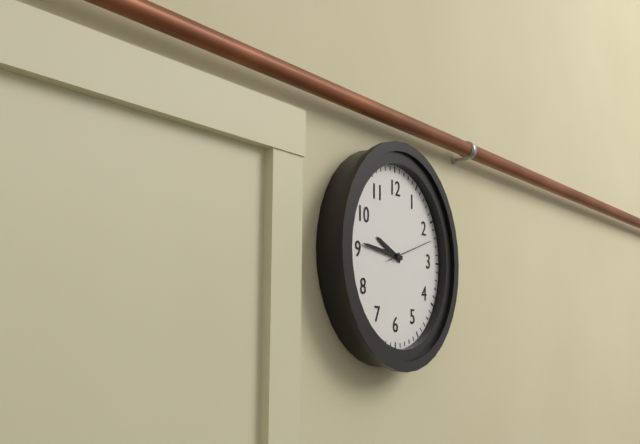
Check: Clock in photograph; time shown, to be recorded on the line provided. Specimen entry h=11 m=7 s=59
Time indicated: h=9 m=46 s=12
